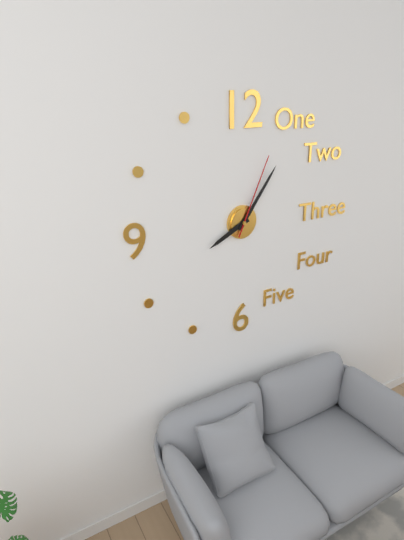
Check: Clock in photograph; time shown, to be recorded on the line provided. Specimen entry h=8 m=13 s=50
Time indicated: h=8 m=6 s=4
